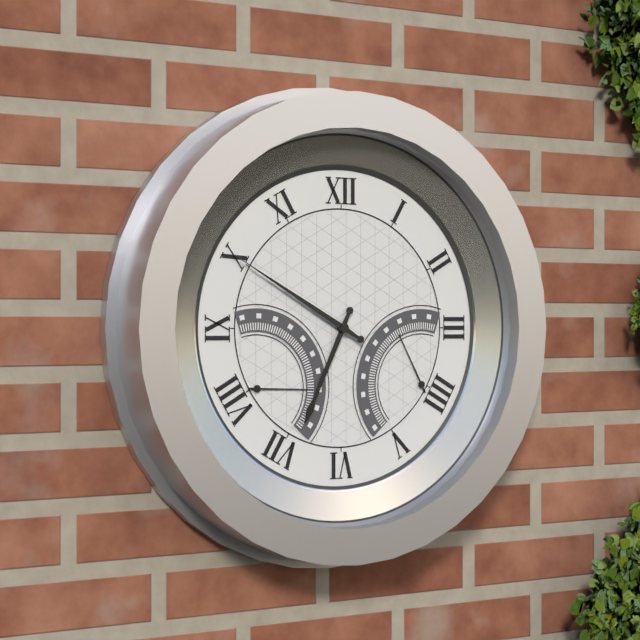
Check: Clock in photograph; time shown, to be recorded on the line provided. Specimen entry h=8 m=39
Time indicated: h=6 m=50
